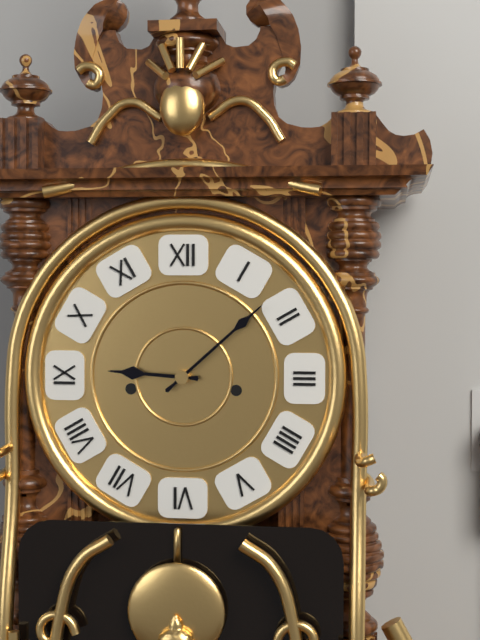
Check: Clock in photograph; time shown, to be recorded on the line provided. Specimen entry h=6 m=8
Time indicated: h=9 m=8
